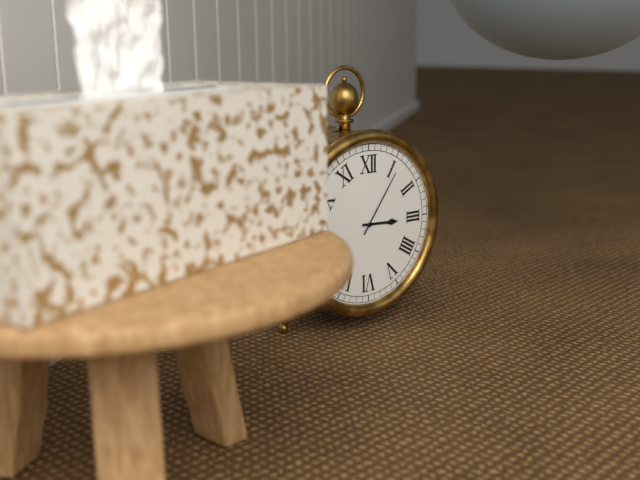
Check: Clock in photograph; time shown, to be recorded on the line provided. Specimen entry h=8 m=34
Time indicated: h=3 m=6
